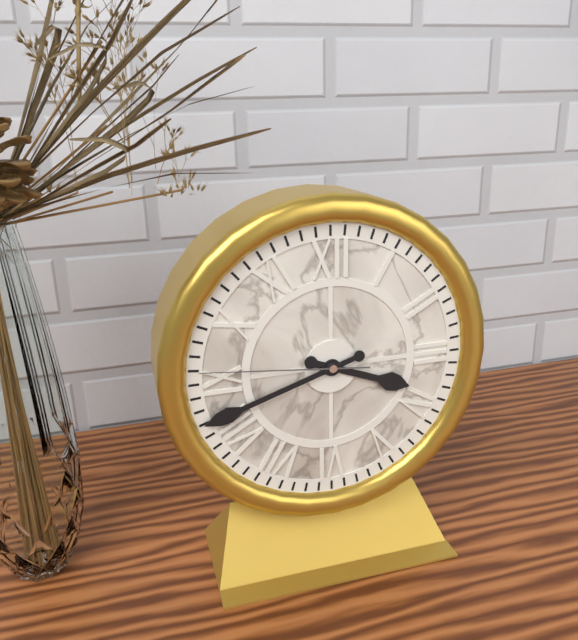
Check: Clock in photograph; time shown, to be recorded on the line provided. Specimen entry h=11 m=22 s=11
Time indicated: h=3 m=42 s=46
